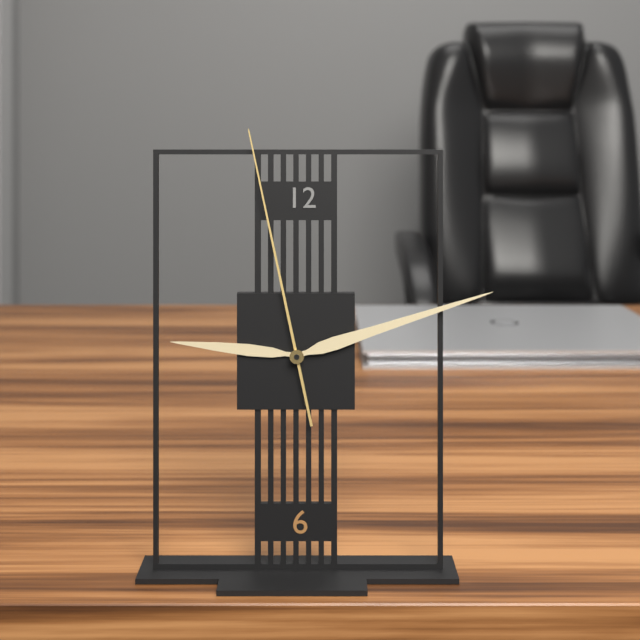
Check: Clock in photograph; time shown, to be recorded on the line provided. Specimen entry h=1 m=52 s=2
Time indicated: h=9 m=12 s=58
